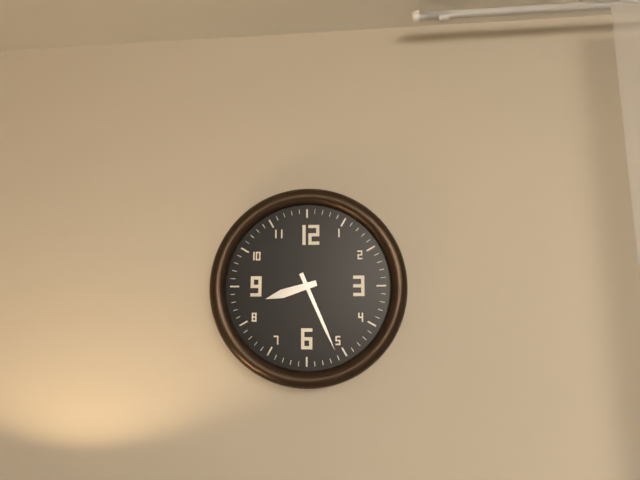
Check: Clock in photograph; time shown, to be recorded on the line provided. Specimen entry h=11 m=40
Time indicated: h=8 m=26
